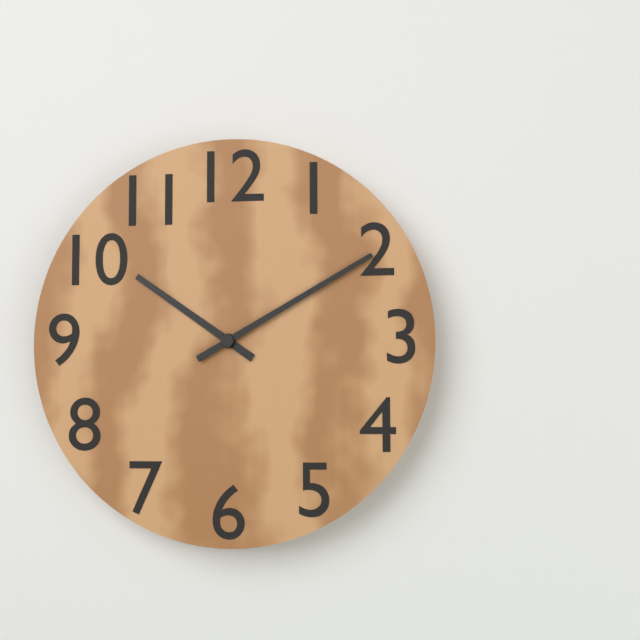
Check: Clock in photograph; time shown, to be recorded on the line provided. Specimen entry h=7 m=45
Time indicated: h=10 m=10
